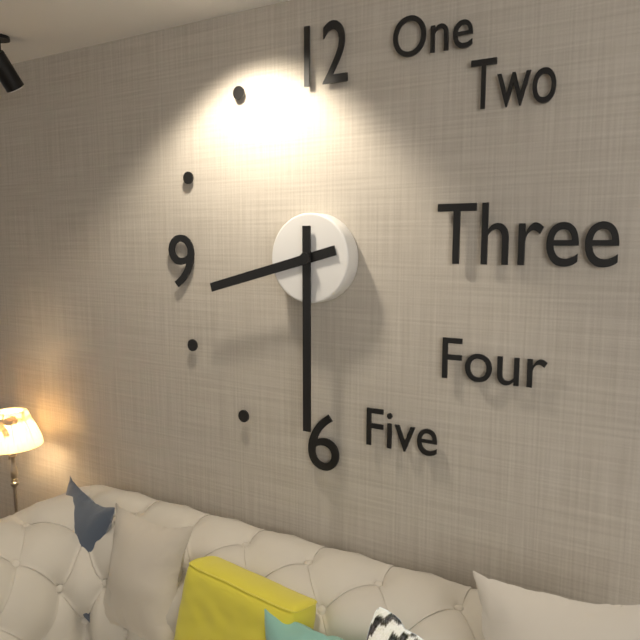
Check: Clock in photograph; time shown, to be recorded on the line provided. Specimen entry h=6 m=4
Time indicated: h=8 m=30
